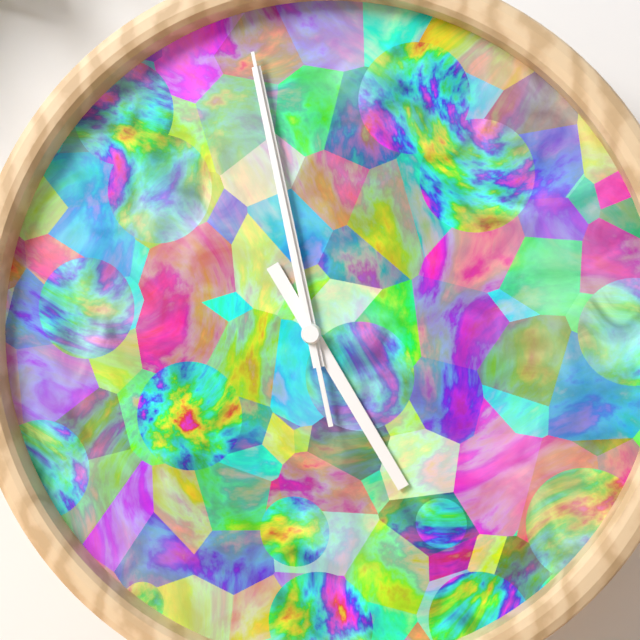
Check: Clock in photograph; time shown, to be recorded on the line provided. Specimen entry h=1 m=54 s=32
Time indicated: h=4 m=58 s=58
